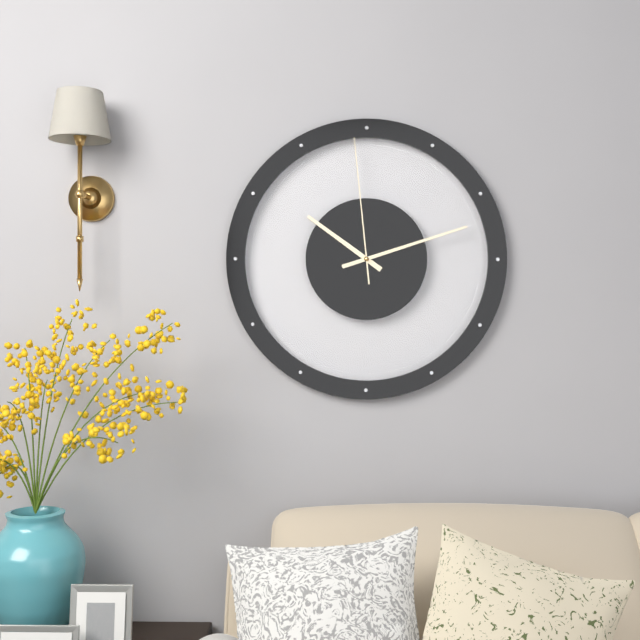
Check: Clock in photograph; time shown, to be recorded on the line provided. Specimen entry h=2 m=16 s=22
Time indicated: h=10 m=12 s=59
